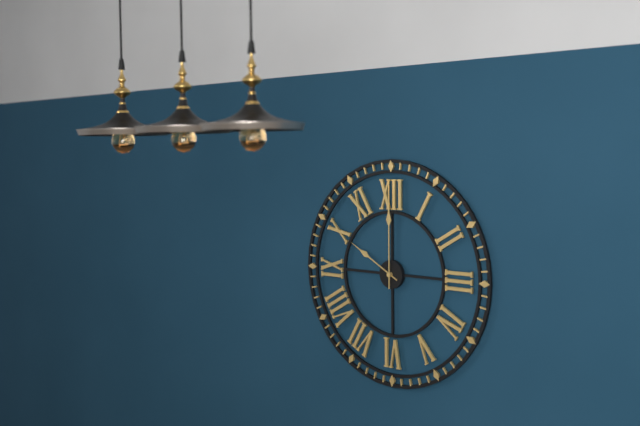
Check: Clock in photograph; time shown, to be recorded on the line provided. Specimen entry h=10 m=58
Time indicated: h=10 m=0
